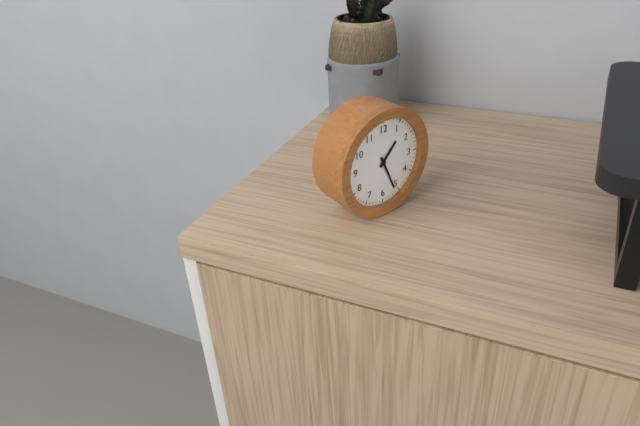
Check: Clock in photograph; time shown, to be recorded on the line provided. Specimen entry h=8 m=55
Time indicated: h=1 m=26
